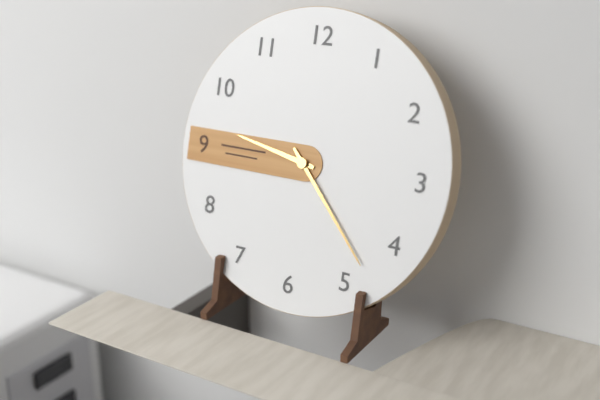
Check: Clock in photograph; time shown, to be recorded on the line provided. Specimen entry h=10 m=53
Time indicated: h=9 m=23
